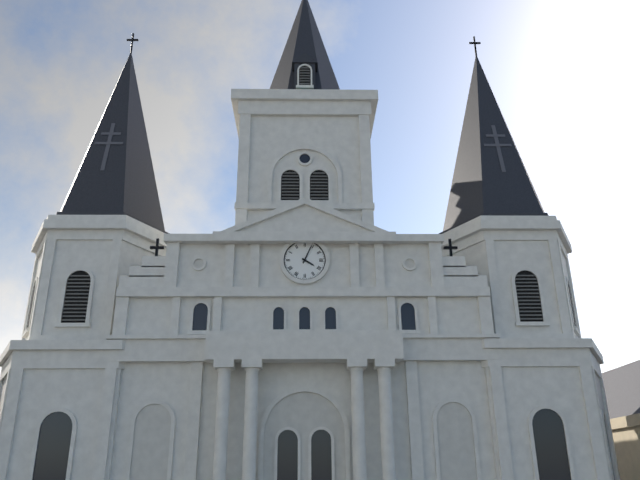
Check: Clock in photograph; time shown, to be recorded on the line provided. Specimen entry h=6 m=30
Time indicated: h=4 m=4
